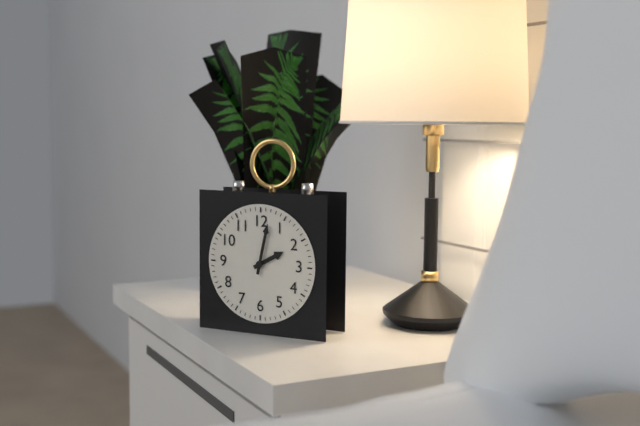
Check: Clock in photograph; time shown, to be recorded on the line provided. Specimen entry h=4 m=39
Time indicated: h=2 m=2
